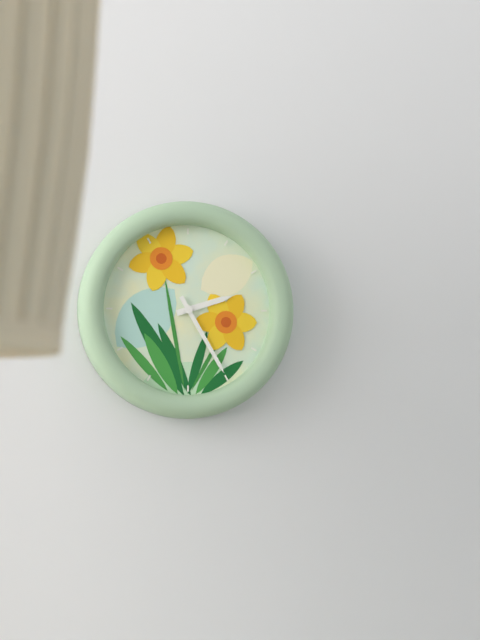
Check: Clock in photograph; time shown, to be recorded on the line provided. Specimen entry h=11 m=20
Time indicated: h=2 m=25
